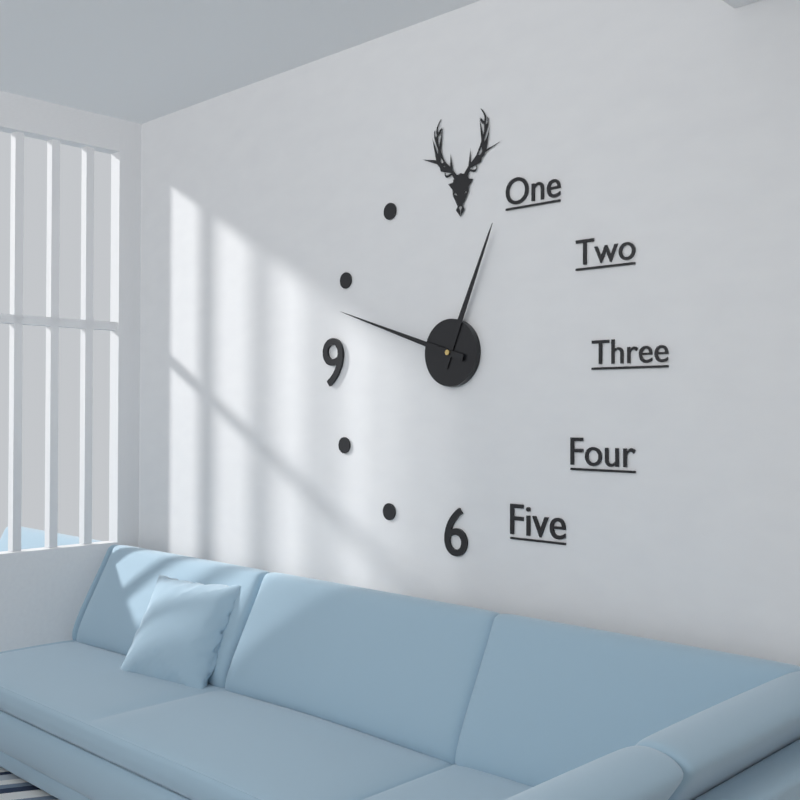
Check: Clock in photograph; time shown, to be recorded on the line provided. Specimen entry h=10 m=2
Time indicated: h=12 m=48
